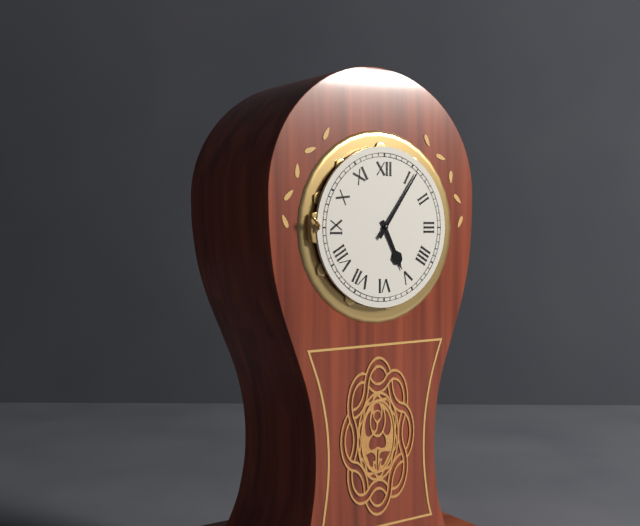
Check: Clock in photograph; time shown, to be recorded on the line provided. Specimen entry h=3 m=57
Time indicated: h=5 m=6
